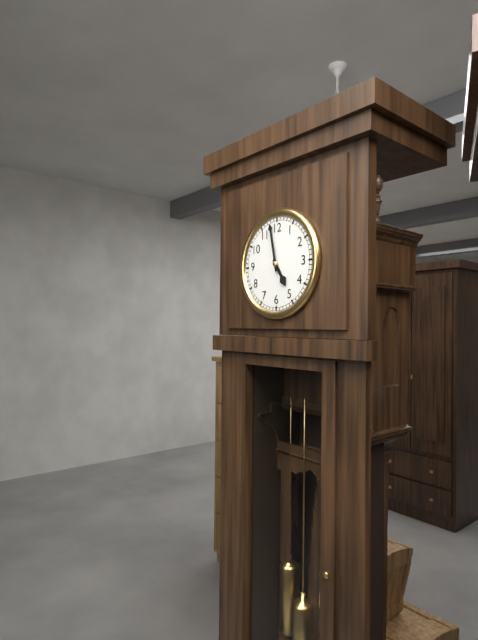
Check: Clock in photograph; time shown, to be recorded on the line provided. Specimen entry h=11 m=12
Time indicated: h=4 m=58
